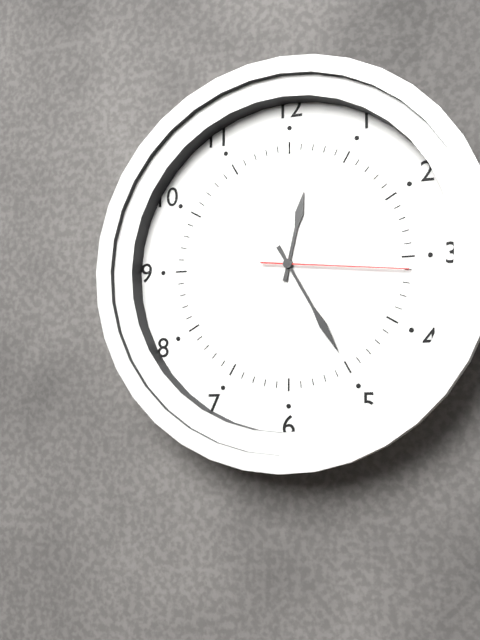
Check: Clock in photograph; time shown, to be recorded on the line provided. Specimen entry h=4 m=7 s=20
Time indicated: h=12 m=25 s=16
